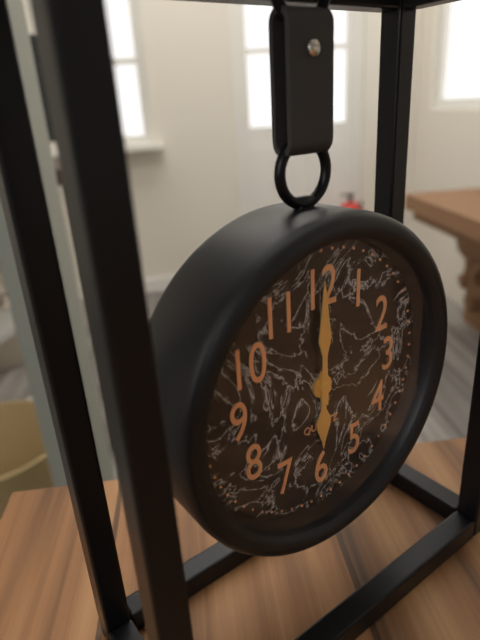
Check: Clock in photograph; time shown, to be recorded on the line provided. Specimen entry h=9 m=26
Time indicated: h=6 m=0
